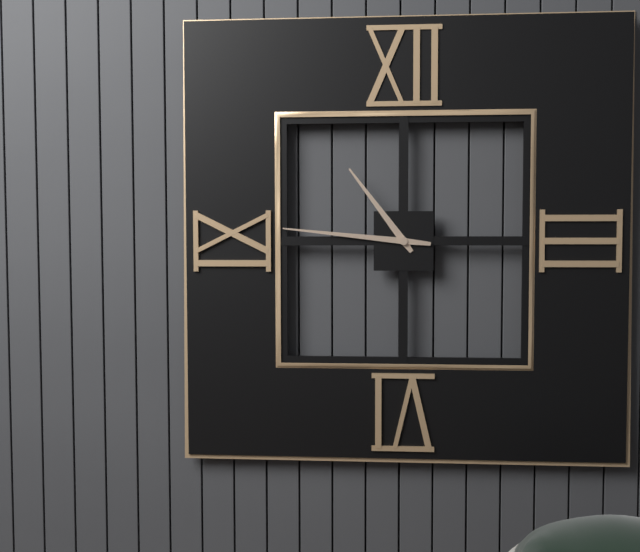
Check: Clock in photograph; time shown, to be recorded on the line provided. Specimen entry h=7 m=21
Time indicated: h=10 m=46
